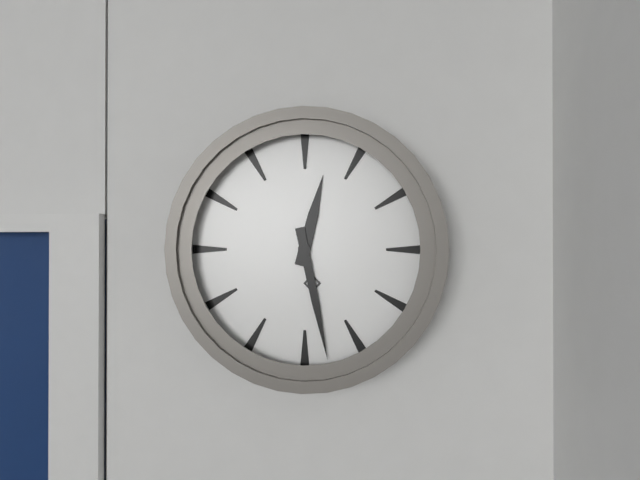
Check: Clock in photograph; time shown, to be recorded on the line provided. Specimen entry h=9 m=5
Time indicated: h=12 m=28
